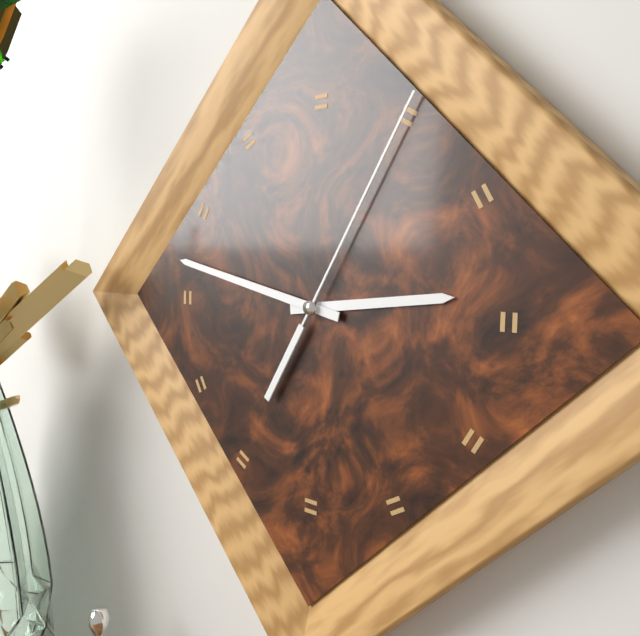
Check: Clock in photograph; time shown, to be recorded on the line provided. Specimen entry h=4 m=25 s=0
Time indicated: h=2 m=47 s=5
